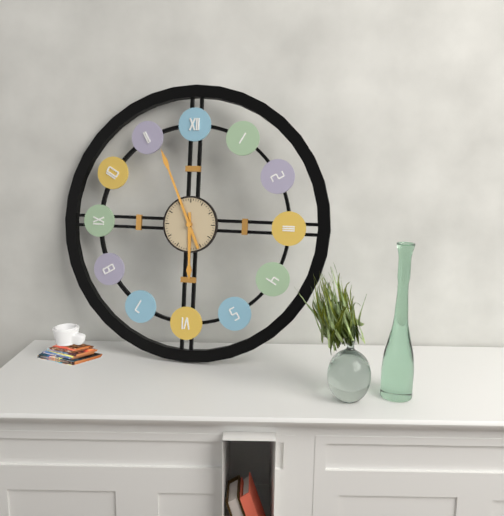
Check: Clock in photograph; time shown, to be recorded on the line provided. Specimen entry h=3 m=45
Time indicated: h=5 m=56
